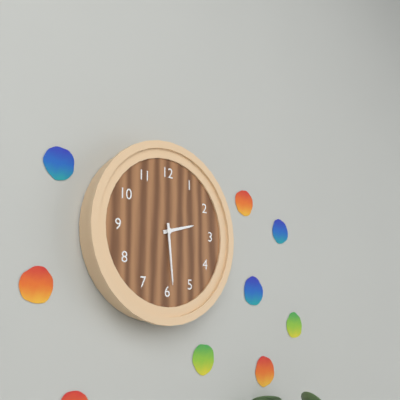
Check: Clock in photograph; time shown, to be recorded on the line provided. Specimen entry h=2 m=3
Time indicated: h=2 m=29
